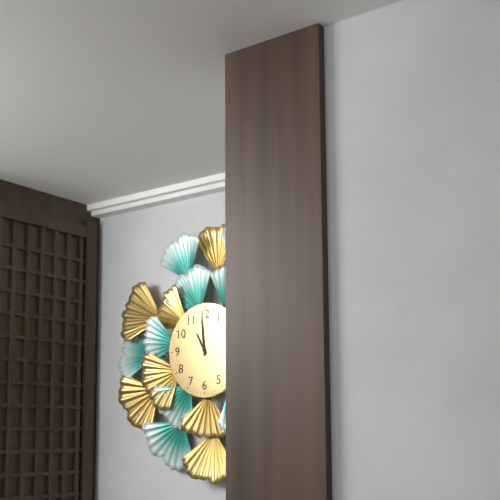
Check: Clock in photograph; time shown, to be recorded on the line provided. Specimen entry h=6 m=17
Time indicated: h=10 m=59
